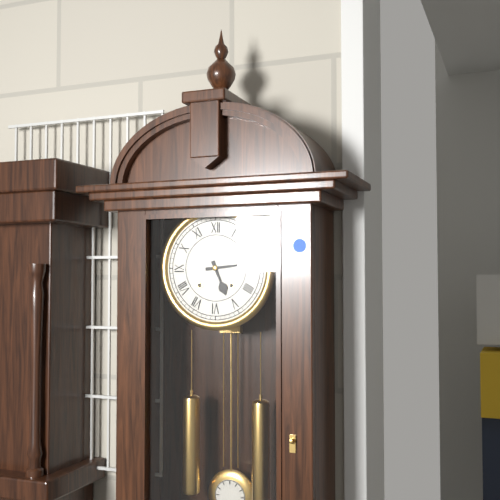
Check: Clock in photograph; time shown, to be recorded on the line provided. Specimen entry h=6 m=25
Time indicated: h=5 m=14
